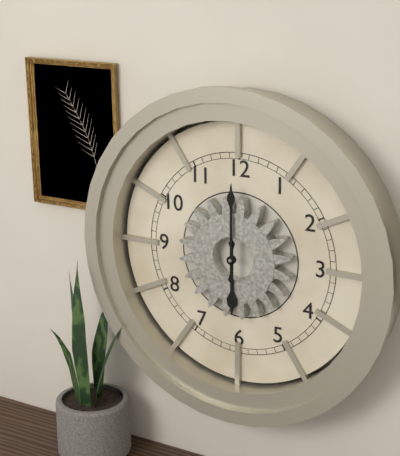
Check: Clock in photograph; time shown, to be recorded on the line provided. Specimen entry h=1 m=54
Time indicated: h=6 m=0
